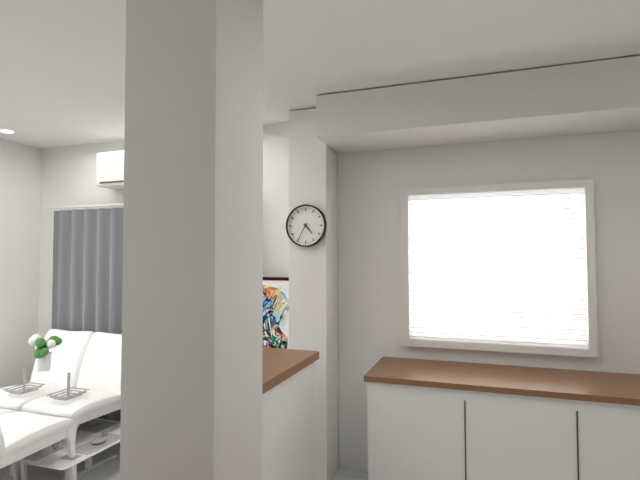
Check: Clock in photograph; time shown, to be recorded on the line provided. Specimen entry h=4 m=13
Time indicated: h=4 m=35
